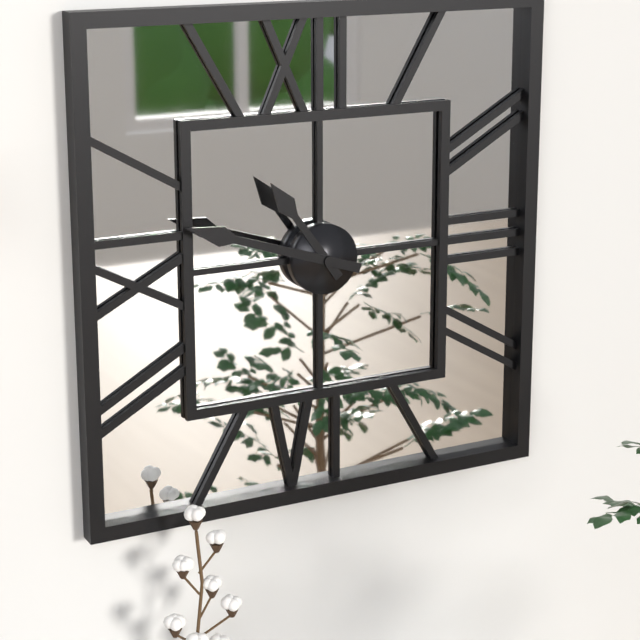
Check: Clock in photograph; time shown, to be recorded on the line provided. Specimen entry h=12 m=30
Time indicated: h=10 m=48
